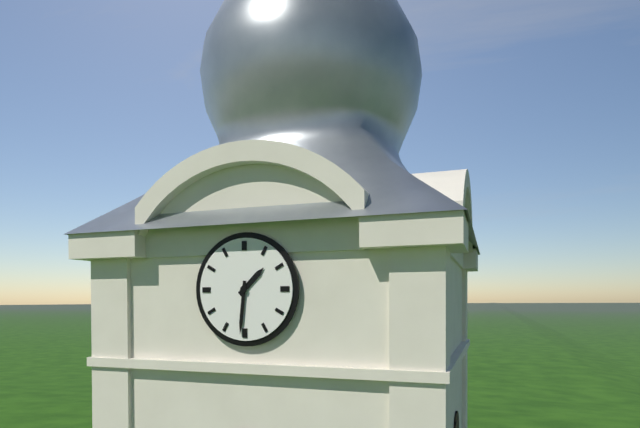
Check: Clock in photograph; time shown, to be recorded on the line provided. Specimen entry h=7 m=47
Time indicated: h=1 m=31
